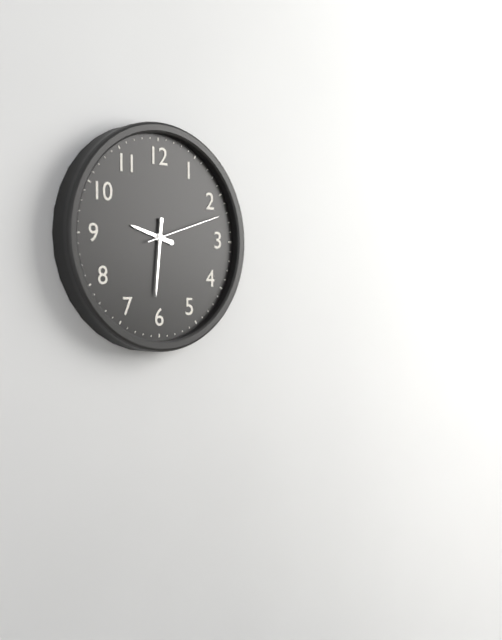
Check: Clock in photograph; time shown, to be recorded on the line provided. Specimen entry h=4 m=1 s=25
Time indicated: h=9 m=31 s=12
